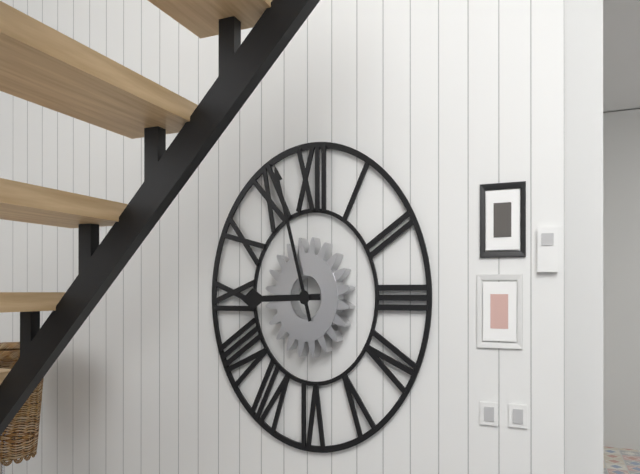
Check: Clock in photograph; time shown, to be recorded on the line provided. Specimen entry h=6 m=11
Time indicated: h=8 m=57
